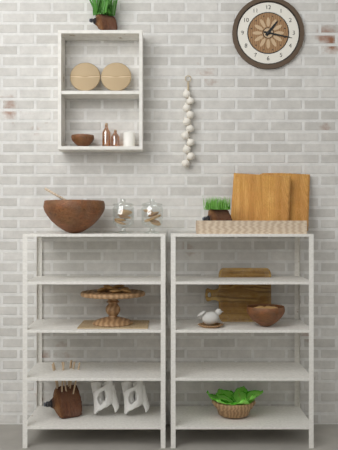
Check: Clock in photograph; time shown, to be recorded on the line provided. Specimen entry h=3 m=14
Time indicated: h=1 m=17
